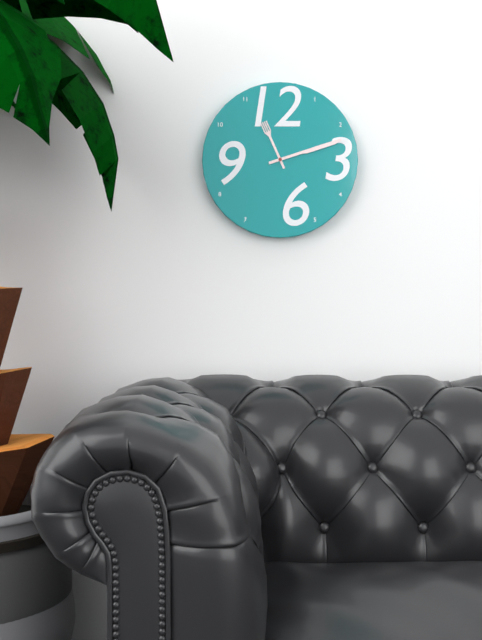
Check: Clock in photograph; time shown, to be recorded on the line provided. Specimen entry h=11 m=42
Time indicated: h=11 m=12
